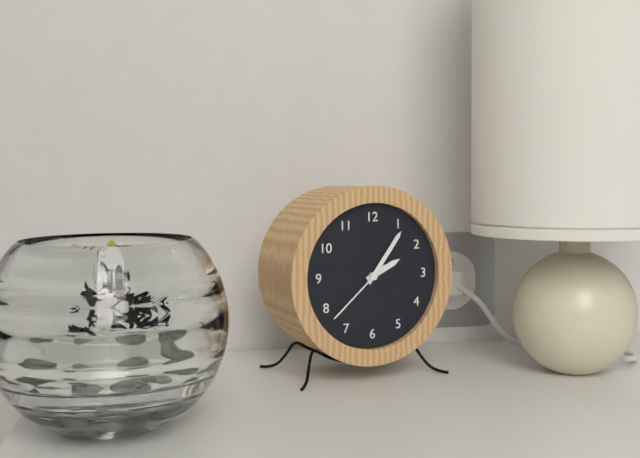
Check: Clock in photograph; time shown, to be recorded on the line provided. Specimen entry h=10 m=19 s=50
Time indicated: h=2 m=6 s=38
